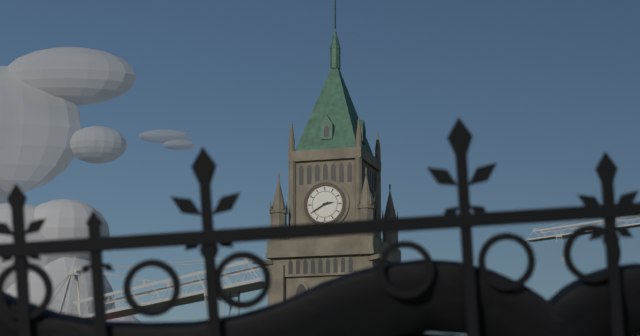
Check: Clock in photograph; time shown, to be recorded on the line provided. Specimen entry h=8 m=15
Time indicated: h=2 m=40
